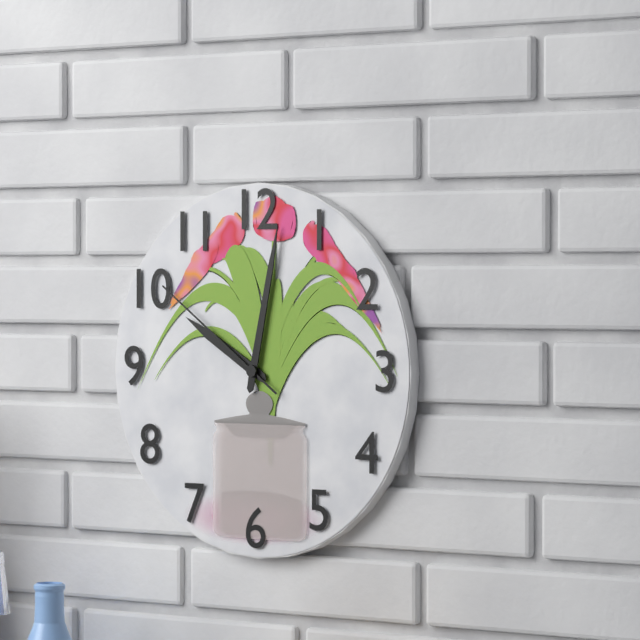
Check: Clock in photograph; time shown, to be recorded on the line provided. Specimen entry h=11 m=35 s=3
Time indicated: h=10 m=2 s=51
